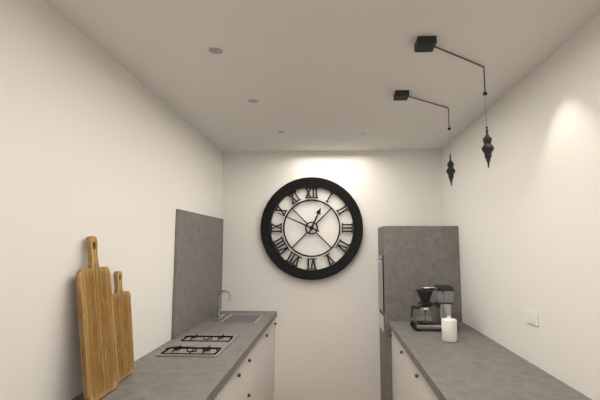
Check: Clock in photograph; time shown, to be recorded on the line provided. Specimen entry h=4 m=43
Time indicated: h=12 m=49
